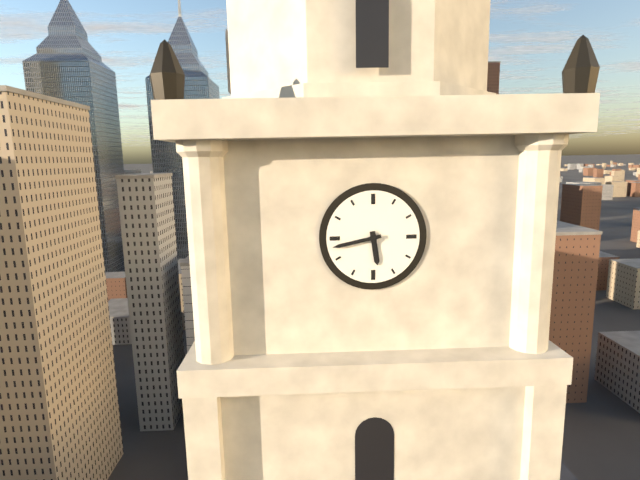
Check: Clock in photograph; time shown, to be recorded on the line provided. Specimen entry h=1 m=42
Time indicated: h=5 m=43
